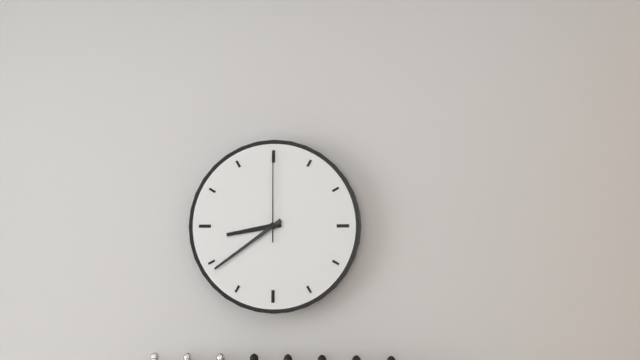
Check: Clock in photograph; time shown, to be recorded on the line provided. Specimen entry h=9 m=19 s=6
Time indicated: h=8 m=39 s=0
